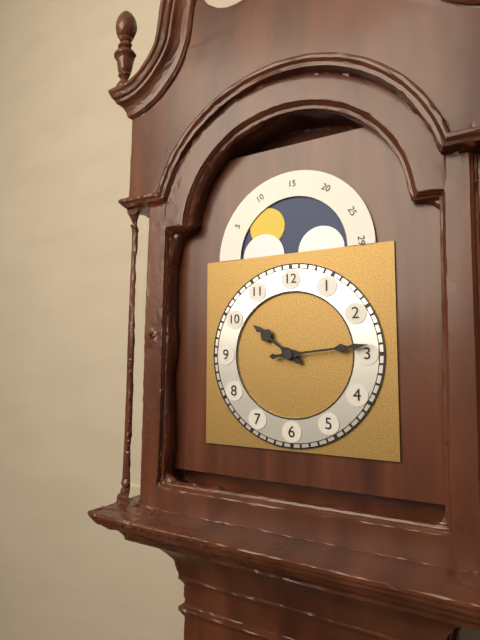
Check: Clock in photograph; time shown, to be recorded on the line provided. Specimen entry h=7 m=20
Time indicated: h=10 m=14
